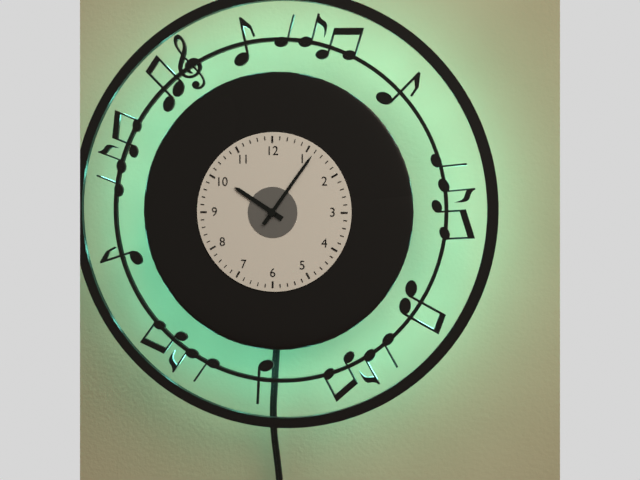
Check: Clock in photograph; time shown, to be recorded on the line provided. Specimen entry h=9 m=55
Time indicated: h=10 m=6
